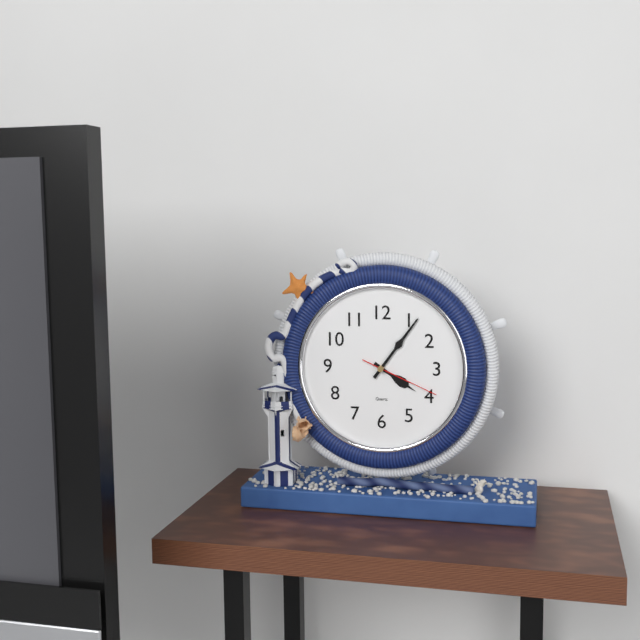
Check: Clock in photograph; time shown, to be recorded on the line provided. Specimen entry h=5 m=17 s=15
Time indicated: h=4 m=6 s=19
